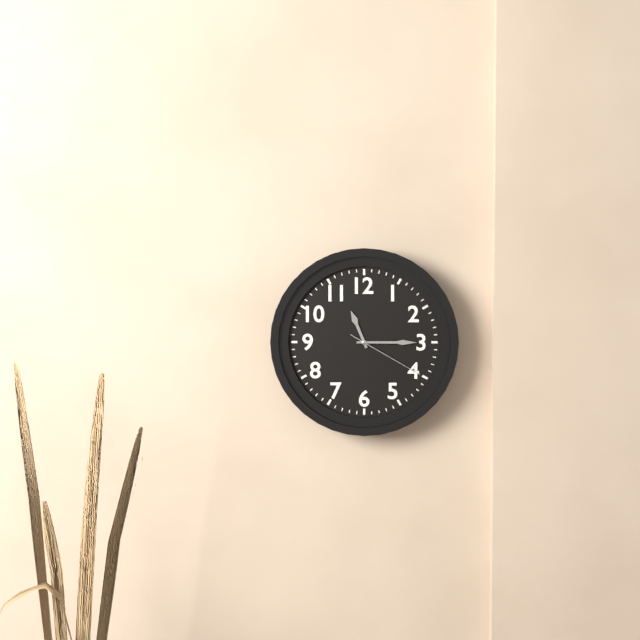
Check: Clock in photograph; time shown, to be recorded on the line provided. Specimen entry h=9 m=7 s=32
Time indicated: h=11 m=15 s=20
